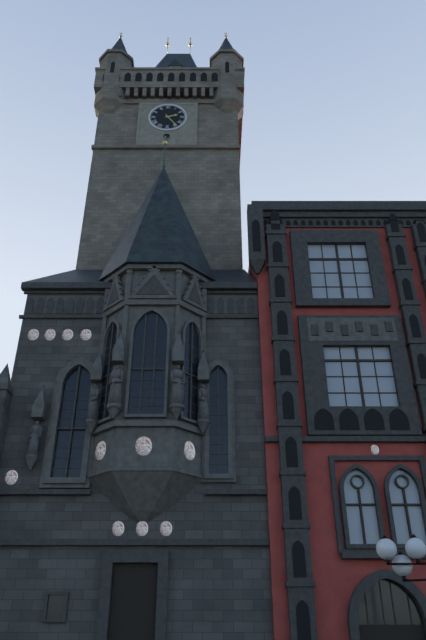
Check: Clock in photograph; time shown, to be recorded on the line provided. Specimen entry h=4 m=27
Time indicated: h=2 m=24
